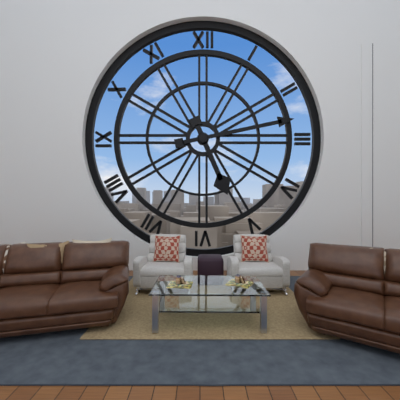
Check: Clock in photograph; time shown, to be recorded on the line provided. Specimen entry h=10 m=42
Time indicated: h=5 m=13
